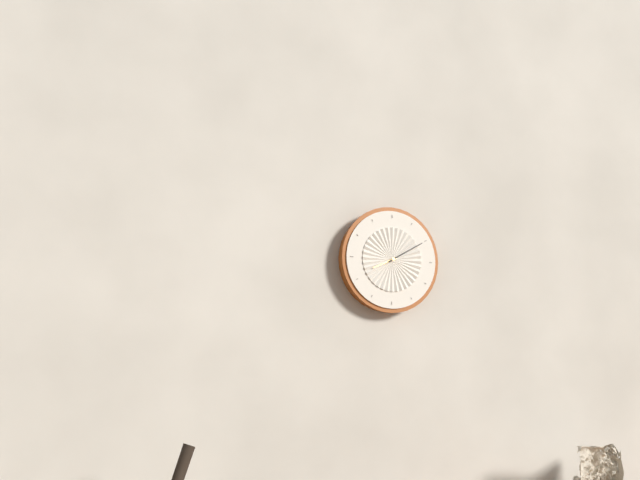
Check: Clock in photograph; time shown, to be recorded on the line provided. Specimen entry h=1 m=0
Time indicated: h=8 m=10
